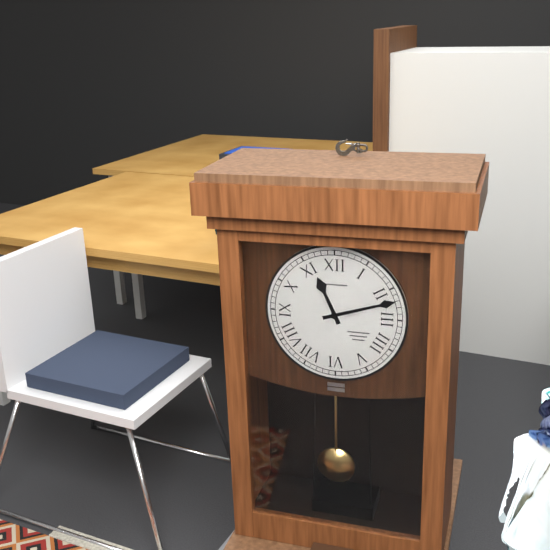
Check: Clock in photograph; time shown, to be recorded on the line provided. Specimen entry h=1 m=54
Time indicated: h=11 m=12
